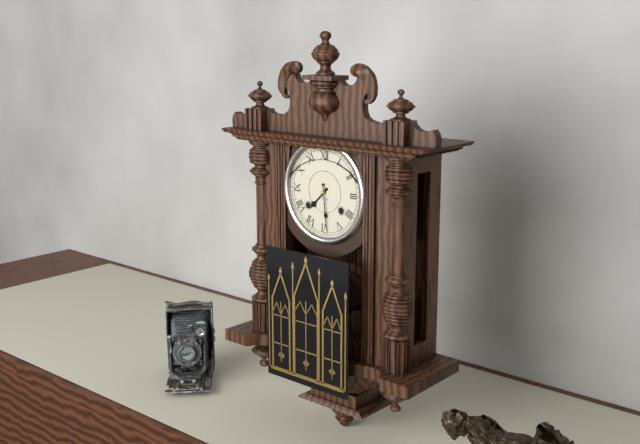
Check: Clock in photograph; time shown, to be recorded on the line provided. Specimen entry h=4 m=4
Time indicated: h=7 m=29
